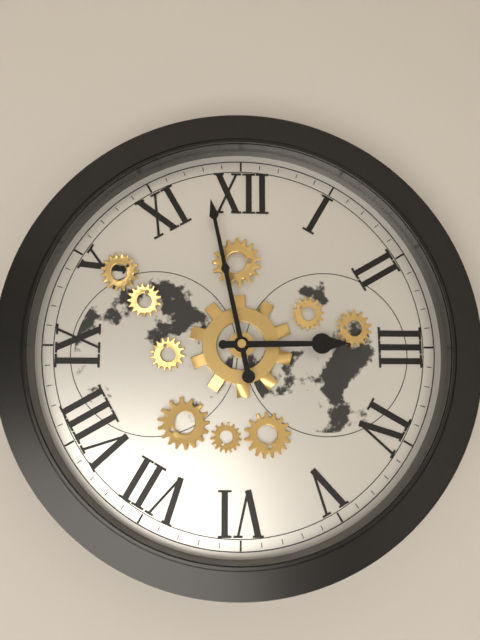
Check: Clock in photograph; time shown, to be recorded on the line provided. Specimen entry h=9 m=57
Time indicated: h=2 m=58
